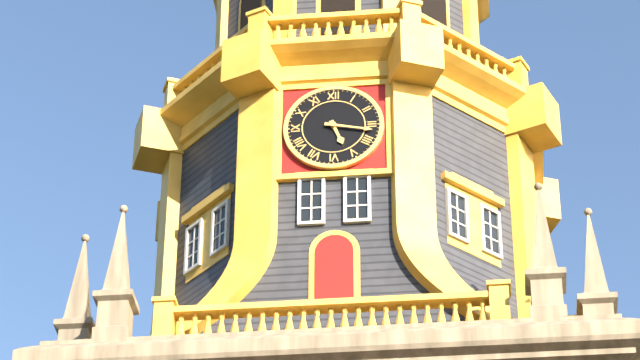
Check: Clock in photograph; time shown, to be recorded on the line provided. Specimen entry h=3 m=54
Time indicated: h=5 m=17
